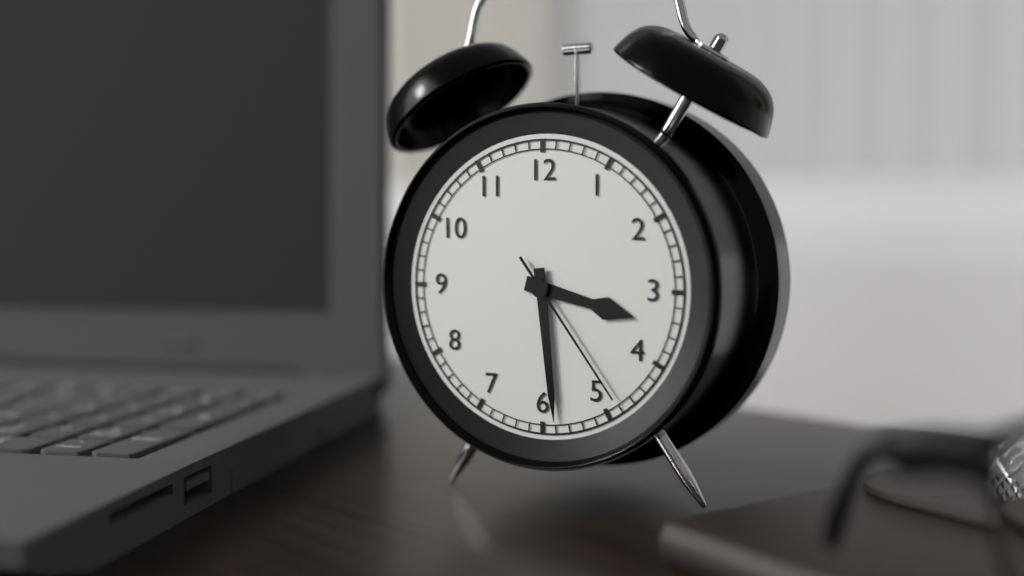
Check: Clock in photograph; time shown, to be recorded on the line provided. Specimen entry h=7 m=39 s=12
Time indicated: h=3 m=29 s=24
